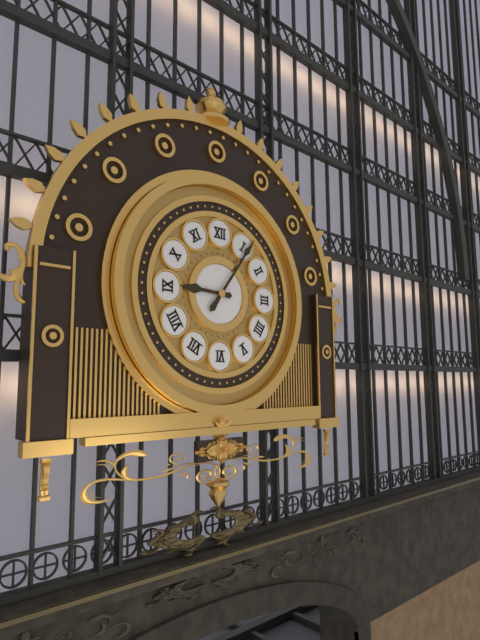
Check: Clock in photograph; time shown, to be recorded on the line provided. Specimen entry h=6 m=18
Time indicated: h=9 m=6
